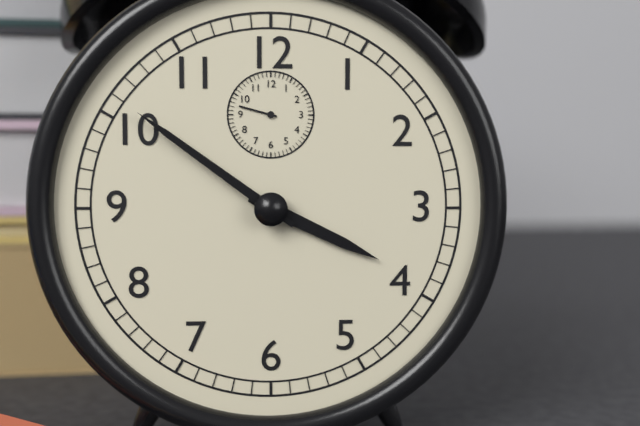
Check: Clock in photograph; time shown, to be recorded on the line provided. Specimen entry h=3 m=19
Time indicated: h=3 m=51
